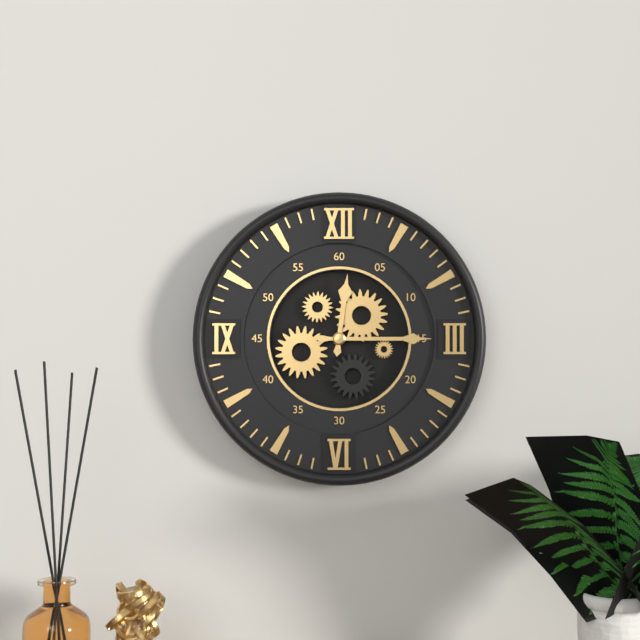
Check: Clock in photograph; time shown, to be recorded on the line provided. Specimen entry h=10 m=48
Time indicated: h=12 m=15
